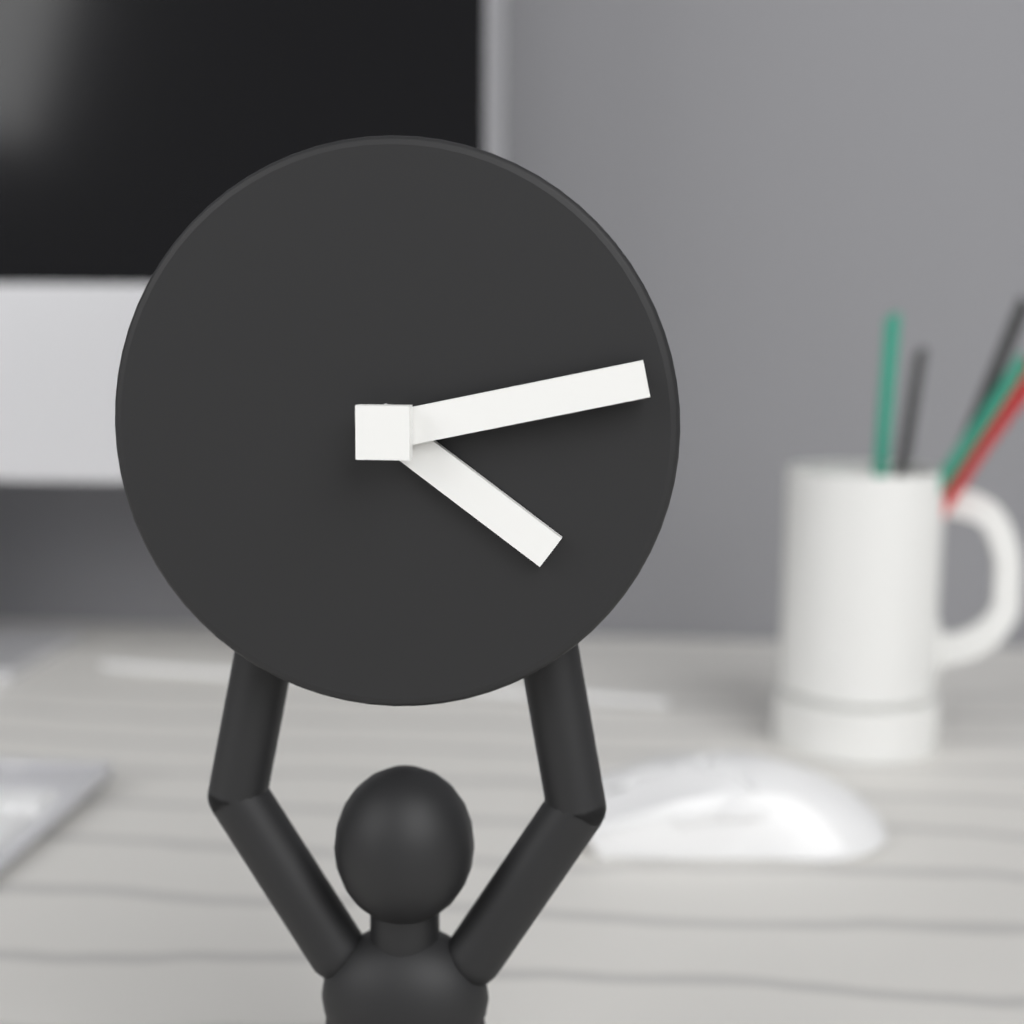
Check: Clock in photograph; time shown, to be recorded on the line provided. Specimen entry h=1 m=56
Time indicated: h=4 m=13
